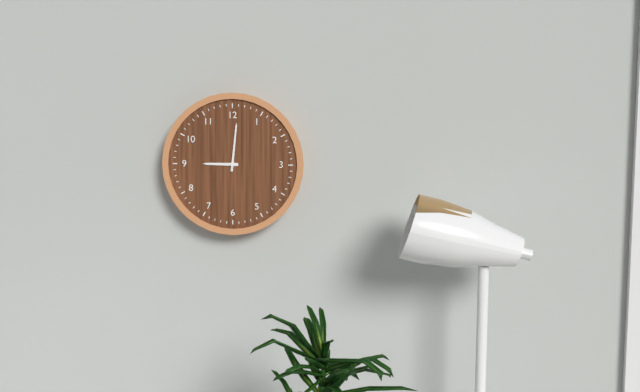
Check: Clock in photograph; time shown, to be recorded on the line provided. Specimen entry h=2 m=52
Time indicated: h=9 m=1
